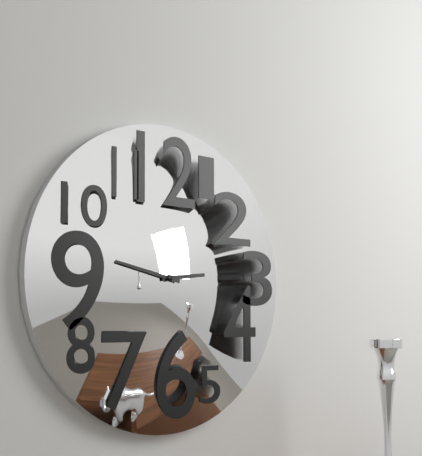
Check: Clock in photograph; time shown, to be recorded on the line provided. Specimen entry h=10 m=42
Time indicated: h=2 m=47
